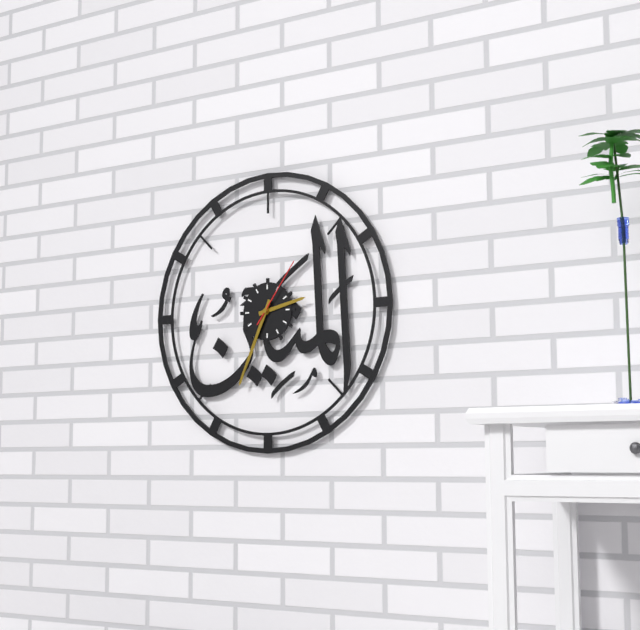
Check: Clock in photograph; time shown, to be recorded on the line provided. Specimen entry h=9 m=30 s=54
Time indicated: h=2 m=34 s=6
